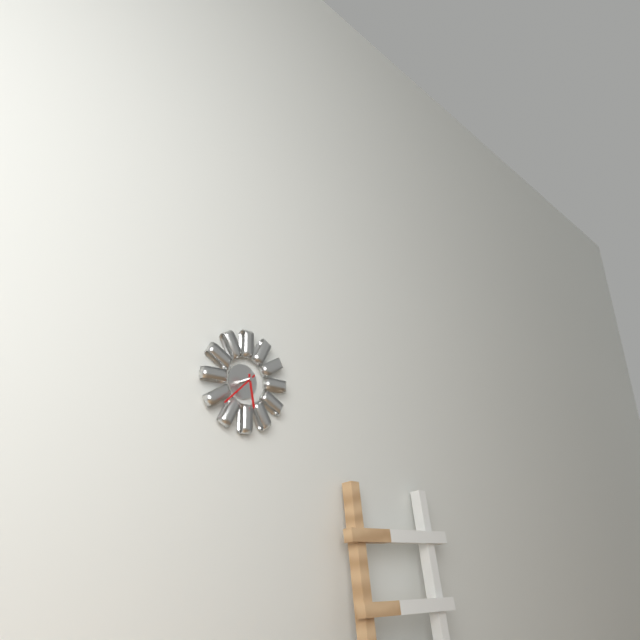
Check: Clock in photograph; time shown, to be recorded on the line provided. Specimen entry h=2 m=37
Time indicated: h=5 m=38
